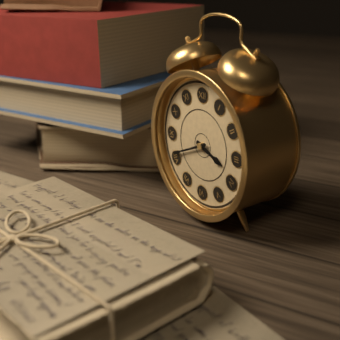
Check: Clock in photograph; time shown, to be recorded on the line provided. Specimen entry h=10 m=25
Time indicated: h=3 m=41
